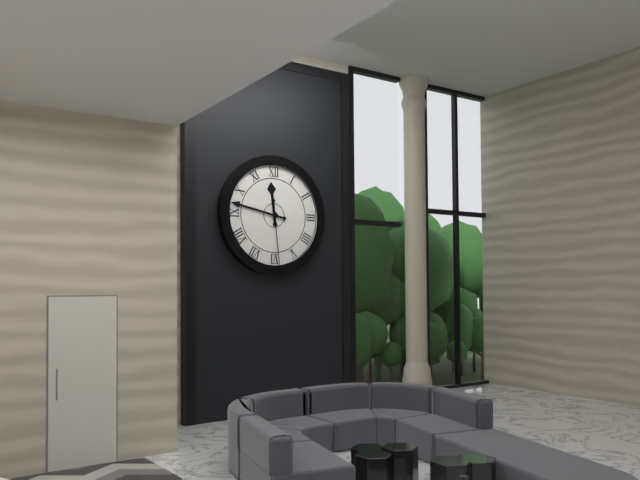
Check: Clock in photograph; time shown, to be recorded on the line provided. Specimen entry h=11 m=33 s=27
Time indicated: h=11 m=47 s=29
